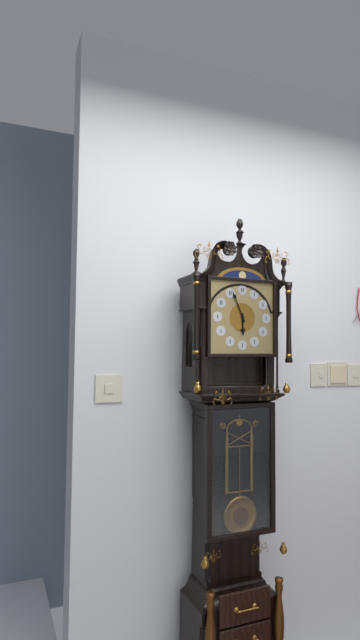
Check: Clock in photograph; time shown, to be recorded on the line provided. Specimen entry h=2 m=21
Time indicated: h=5 m=56
